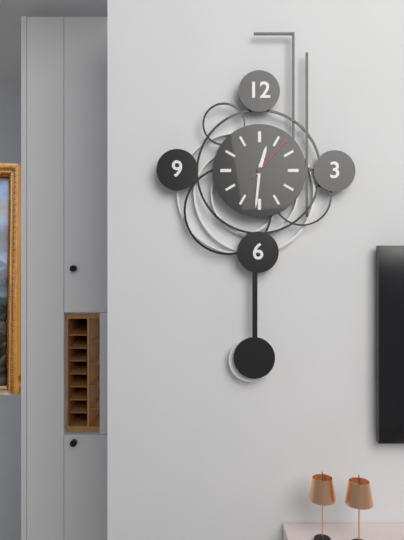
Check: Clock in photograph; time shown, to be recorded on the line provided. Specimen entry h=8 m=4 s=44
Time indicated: h=12 m=31 s=7
